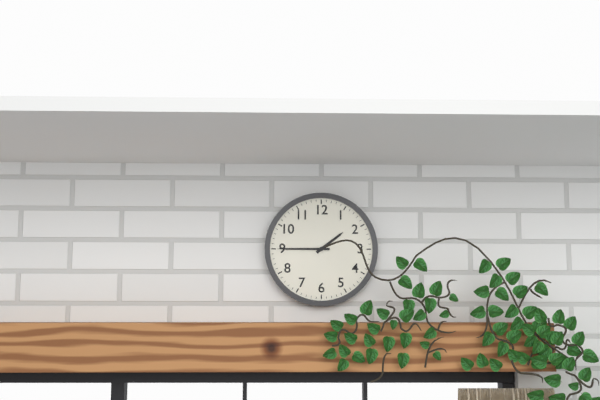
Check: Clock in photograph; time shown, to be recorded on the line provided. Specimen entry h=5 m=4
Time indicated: h=1 m=45
